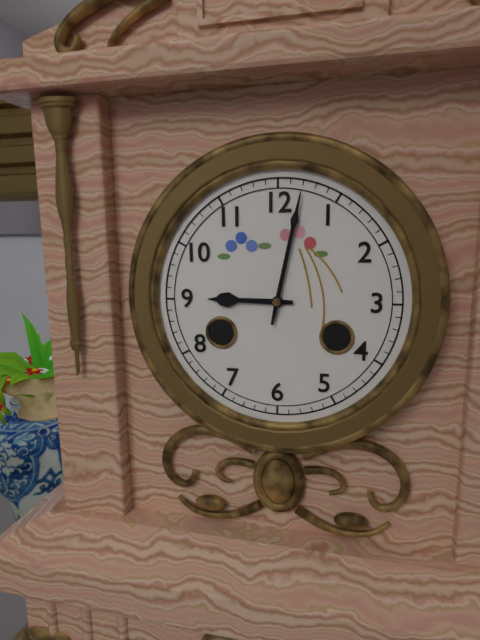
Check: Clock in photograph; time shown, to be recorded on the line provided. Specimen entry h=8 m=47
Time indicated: h=9 m=2
